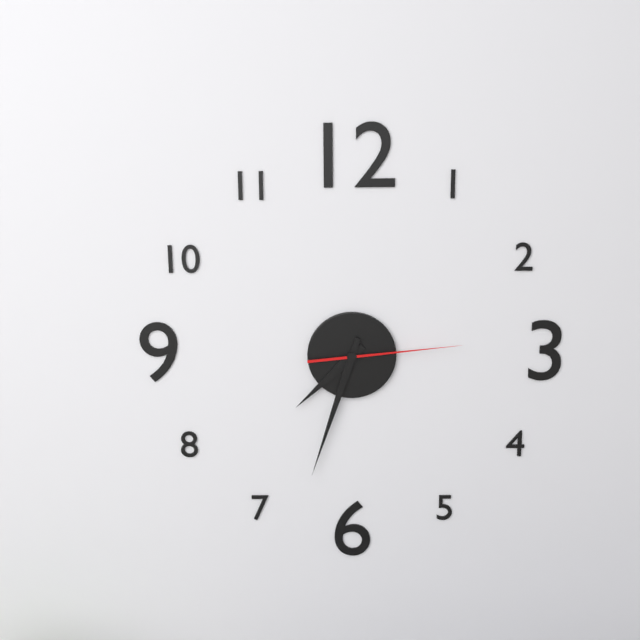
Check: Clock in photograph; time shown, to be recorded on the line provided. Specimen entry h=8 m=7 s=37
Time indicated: h=7 m=33 s=14
